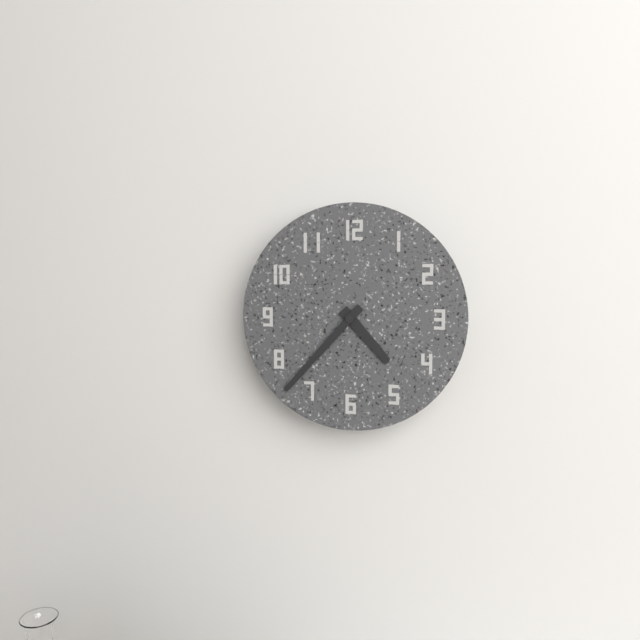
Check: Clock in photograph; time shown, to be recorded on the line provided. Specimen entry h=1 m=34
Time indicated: h=4 m=37
